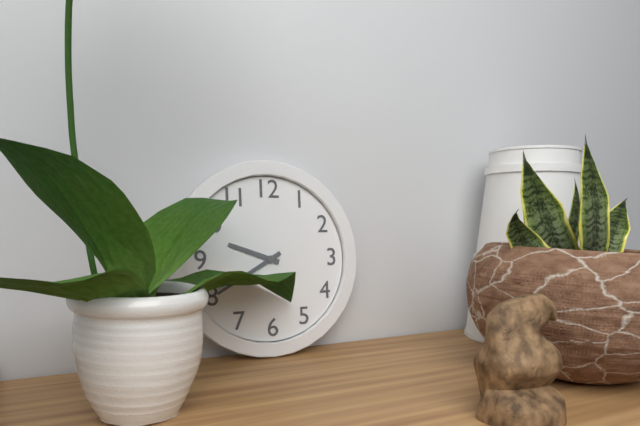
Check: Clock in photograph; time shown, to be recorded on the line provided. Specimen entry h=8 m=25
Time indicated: h=9 m=40
